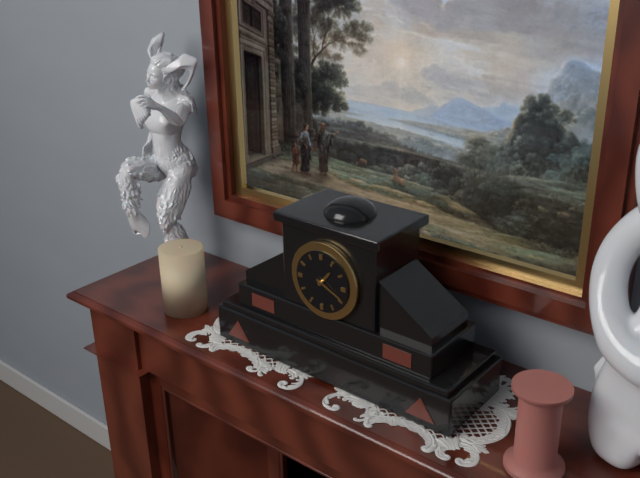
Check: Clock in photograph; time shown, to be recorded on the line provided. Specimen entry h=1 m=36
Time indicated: h=1 m=19
